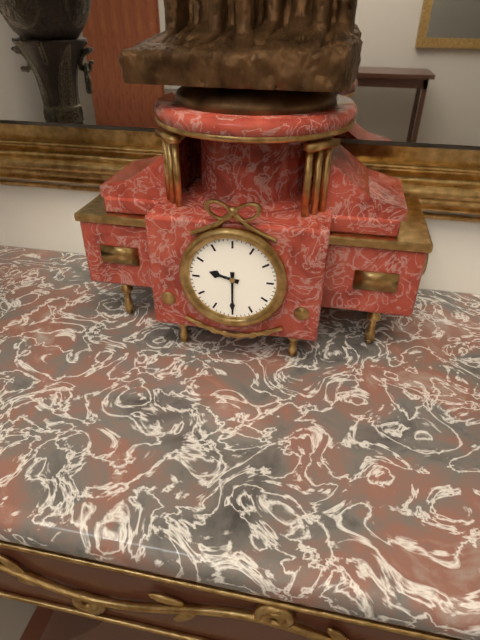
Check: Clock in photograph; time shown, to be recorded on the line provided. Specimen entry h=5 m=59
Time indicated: h=9 m=30
